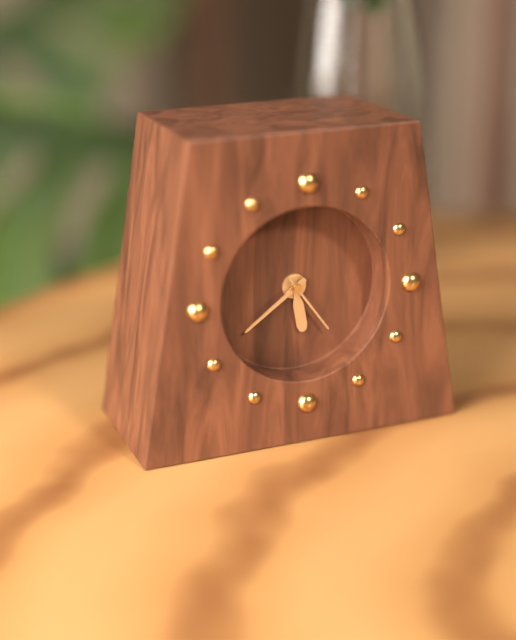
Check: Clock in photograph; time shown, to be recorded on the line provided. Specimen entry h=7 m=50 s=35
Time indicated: h=5 m=39 s=24
